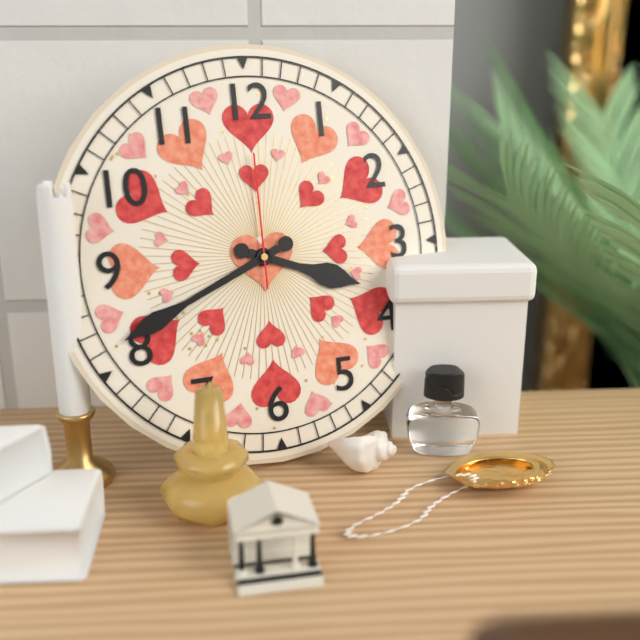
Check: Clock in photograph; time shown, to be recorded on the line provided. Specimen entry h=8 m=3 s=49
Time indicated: h=3 m=41 s=0
